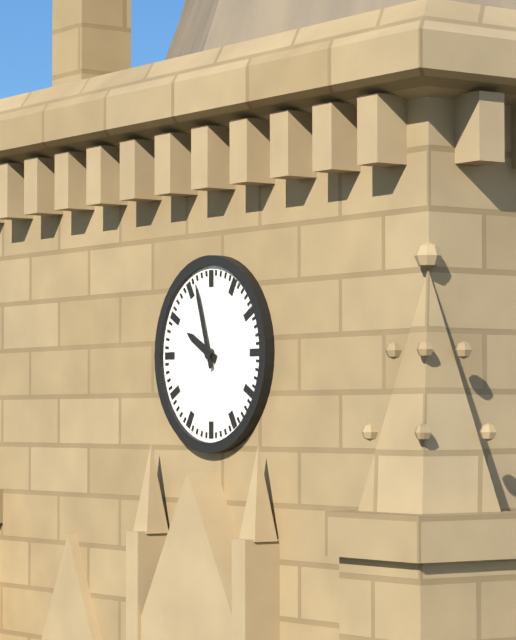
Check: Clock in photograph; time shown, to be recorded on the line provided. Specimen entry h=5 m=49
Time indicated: h=9 m=57
